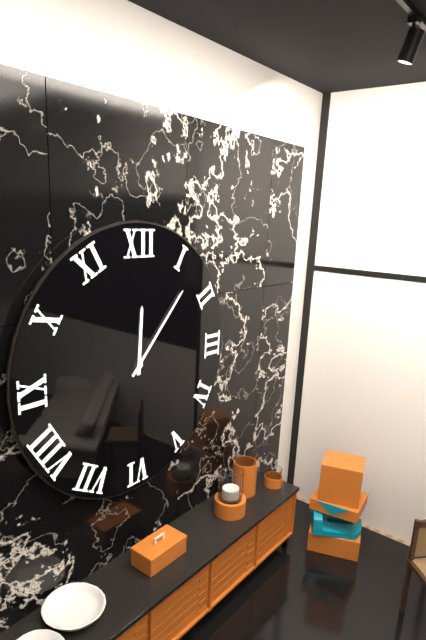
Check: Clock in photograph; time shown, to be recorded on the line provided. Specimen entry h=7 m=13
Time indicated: h=12 m=7
